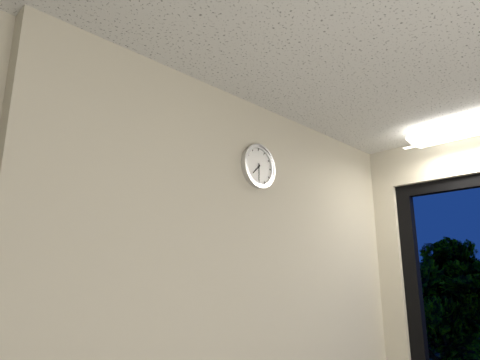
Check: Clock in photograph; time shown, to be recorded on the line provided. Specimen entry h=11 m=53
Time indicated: h=7 m=30
